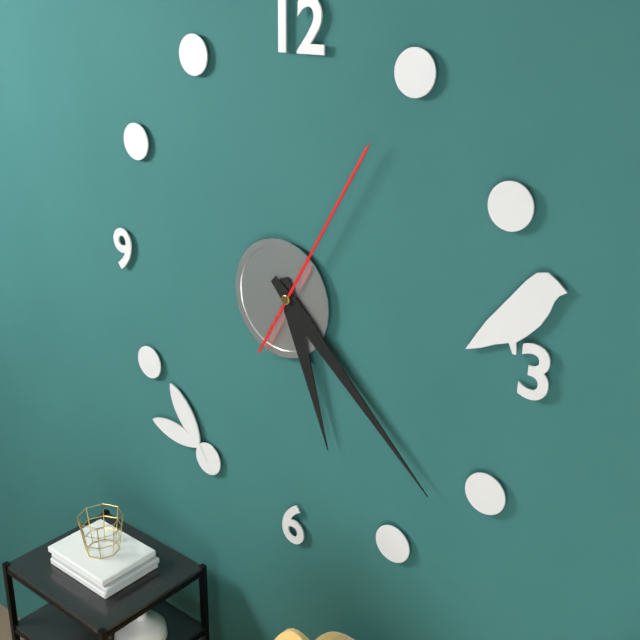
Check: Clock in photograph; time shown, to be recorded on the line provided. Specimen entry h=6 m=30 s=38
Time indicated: h=5 m=22 s=5
